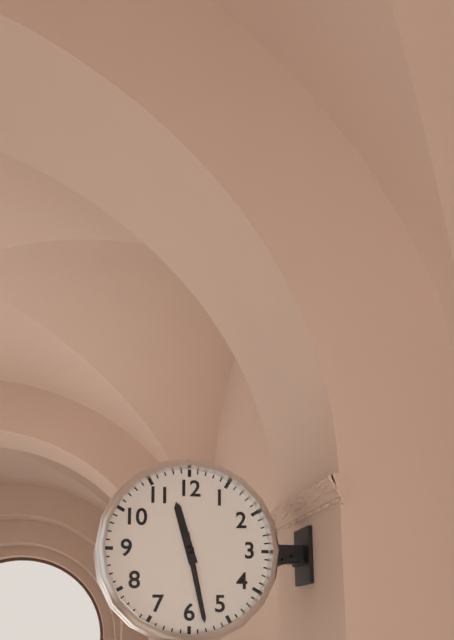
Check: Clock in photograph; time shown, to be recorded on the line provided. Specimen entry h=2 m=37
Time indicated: h=11 m=28
